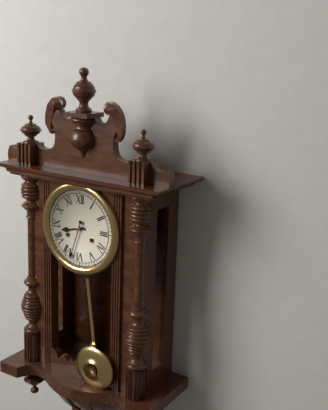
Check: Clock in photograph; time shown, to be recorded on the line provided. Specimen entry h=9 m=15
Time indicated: h=8 m=33
